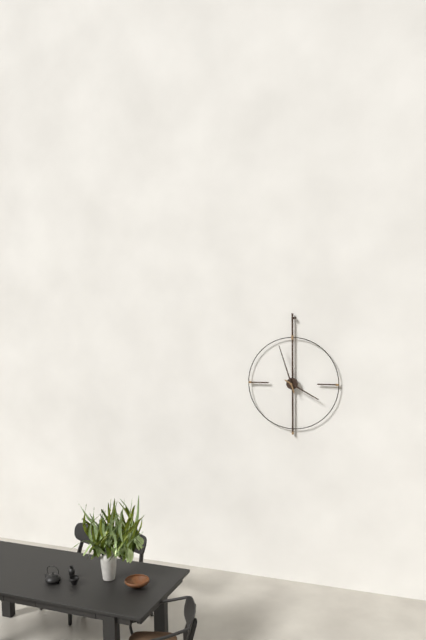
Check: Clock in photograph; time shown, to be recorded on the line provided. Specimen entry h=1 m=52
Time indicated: h=3 m=57
